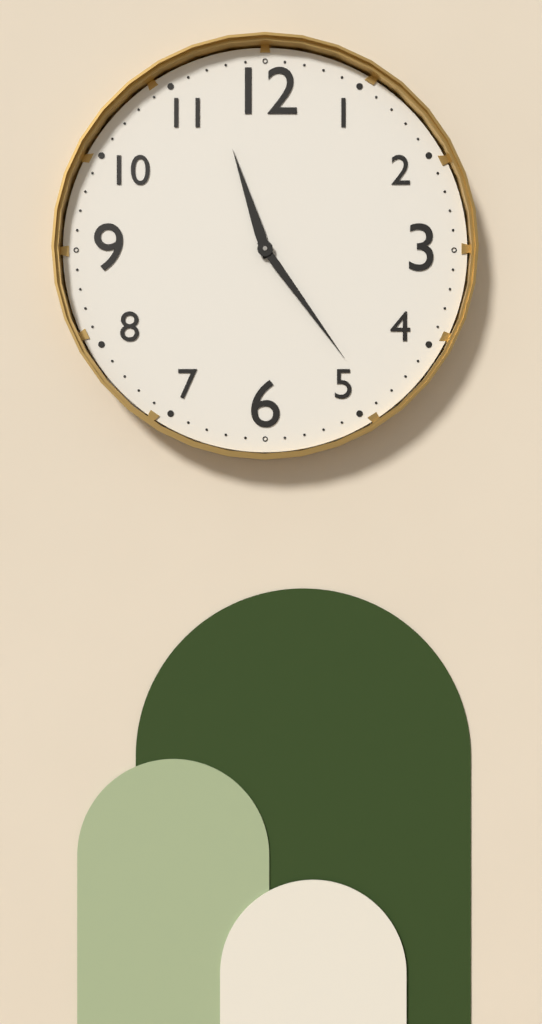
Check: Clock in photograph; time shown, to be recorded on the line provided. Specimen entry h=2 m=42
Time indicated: h=11 m=24
